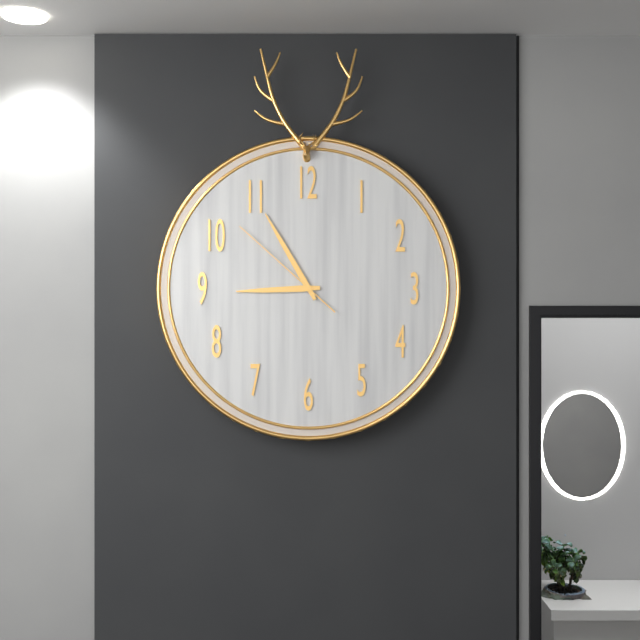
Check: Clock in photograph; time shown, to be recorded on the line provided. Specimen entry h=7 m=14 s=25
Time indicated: h=8 m=55 s=52
